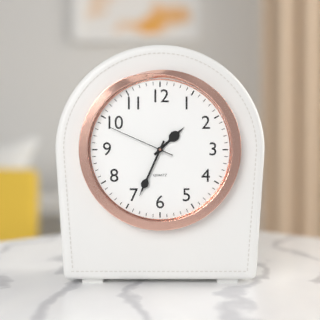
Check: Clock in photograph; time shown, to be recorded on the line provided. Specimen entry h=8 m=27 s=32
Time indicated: h=1 m=34 s=49
